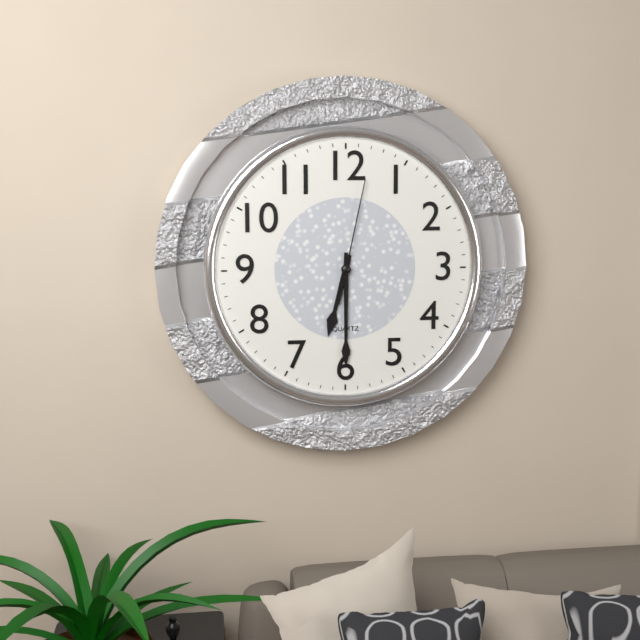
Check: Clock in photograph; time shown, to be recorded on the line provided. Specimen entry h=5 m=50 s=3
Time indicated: h=6 m=30 s=2
